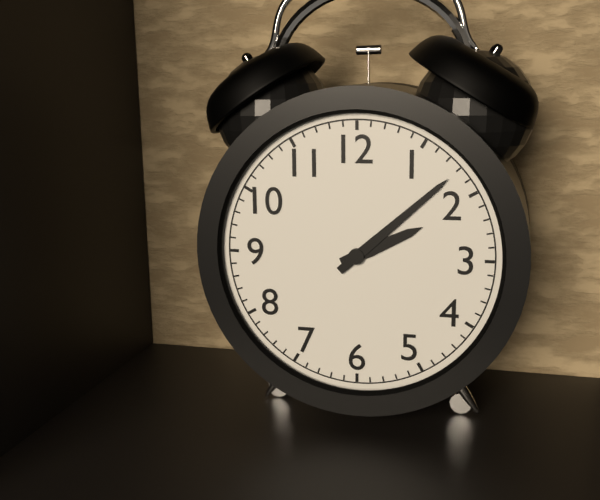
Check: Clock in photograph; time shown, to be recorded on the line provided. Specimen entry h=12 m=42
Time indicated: h=2 m=8
